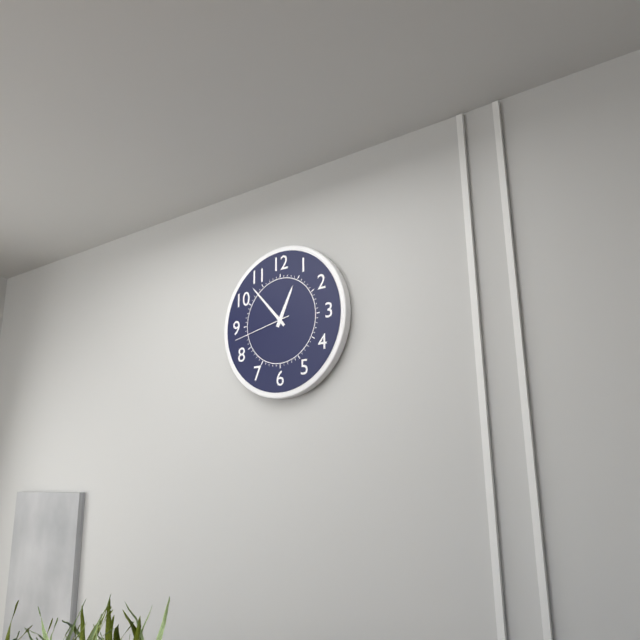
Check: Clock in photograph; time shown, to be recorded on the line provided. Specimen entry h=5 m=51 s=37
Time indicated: h=12 m=53 s=43
